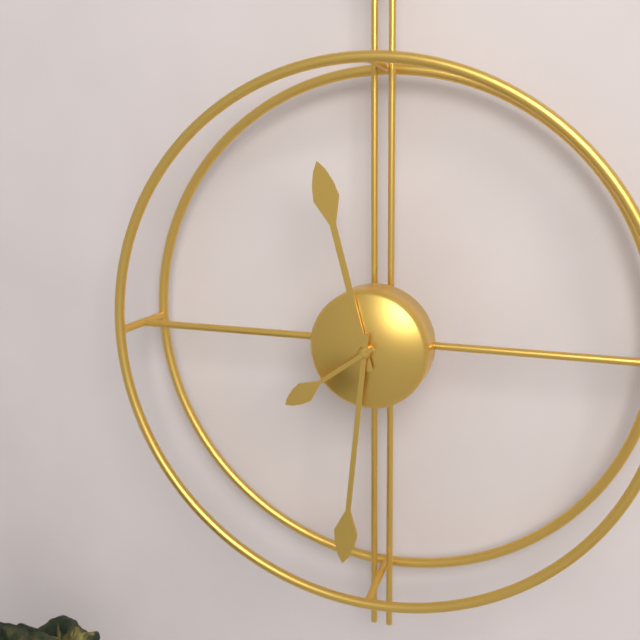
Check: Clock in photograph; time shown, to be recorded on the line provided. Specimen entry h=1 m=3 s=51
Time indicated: h=11 m=31 s=39
